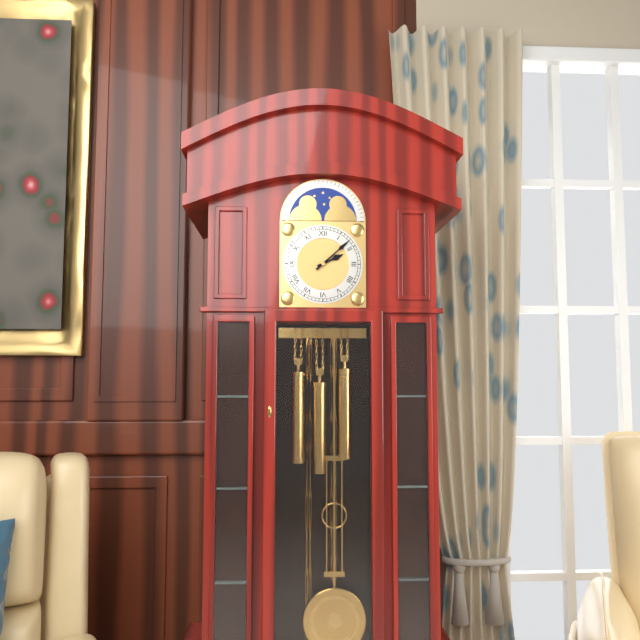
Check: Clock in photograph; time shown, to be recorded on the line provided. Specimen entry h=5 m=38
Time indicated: h=2 m=8
